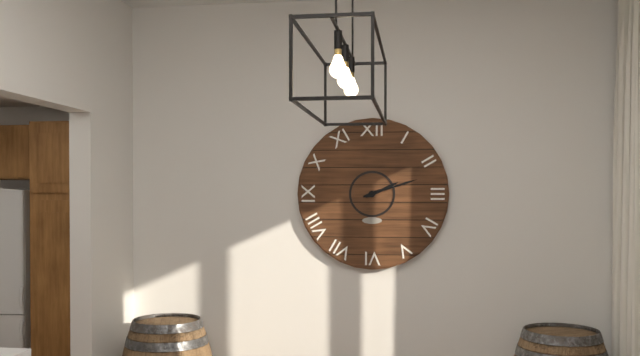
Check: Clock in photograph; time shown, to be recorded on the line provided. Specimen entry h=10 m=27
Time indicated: h=2 m=12
